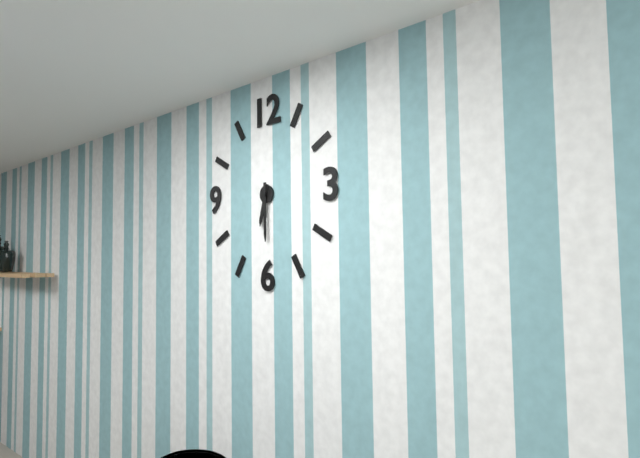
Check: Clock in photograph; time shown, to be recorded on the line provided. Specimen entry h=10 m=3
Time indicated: h=6 m=30
